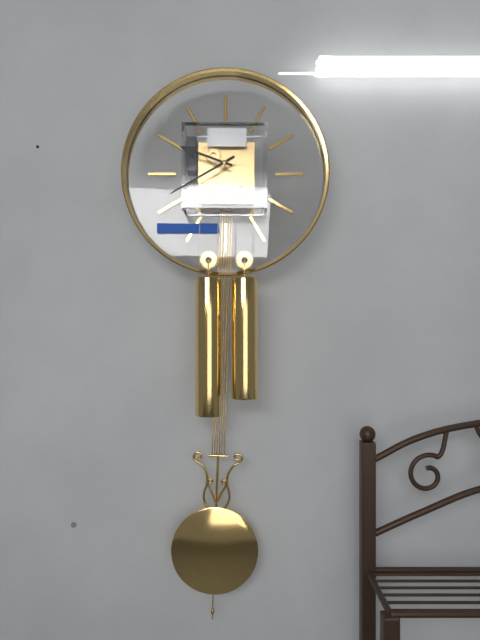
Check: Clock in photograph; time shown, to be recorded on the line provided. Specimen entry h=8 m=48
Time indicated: h=9 m=40
